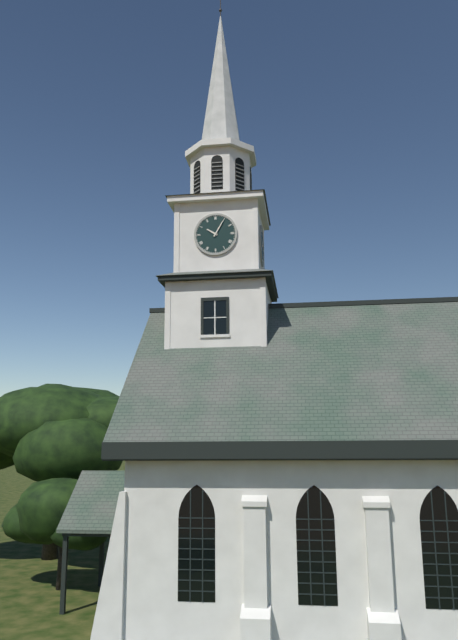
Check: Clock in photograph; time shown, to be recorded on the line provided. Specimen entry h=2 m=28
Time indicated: h=10 m=5
